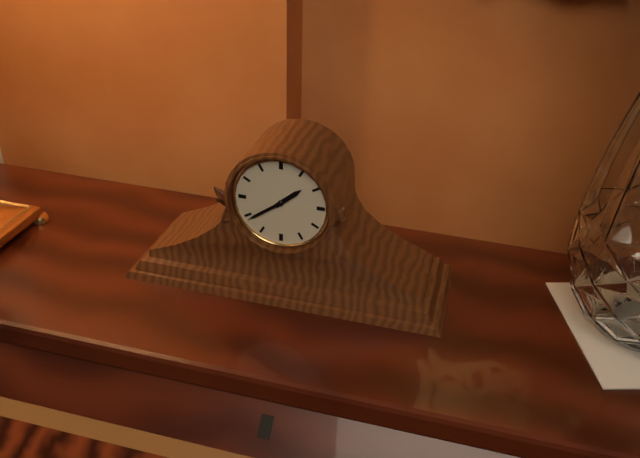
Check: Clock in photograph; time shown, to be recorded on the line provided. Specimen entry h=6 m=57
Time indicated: h=1 m=39
